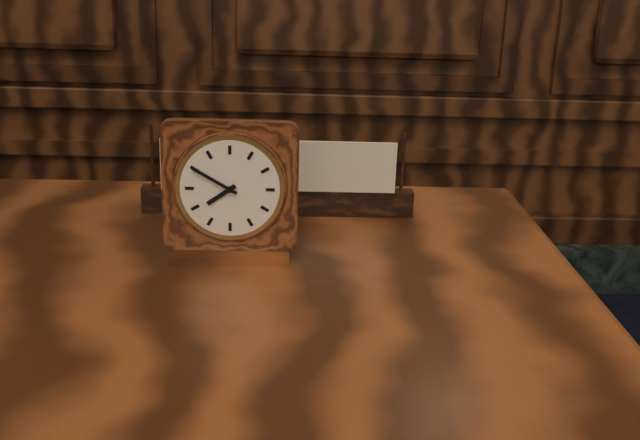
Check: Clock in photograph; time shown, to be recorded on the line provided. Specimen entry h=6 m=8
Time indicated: h=7 m=50
